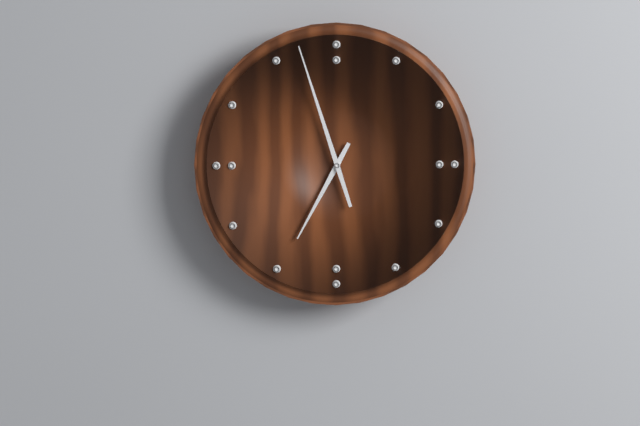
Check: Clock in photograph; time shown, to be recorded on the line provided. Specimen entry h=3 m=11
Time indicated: h=6 m=57
